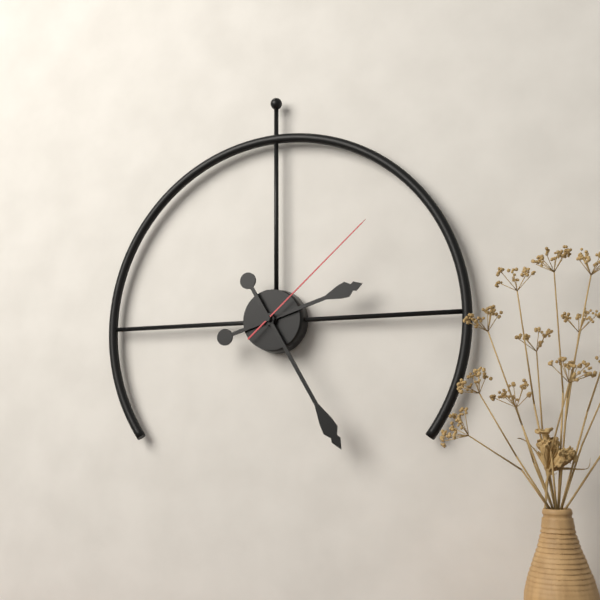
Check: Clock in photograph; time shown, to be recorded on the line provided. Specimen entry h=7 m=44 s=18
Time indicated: h=2 m=25 s=8
